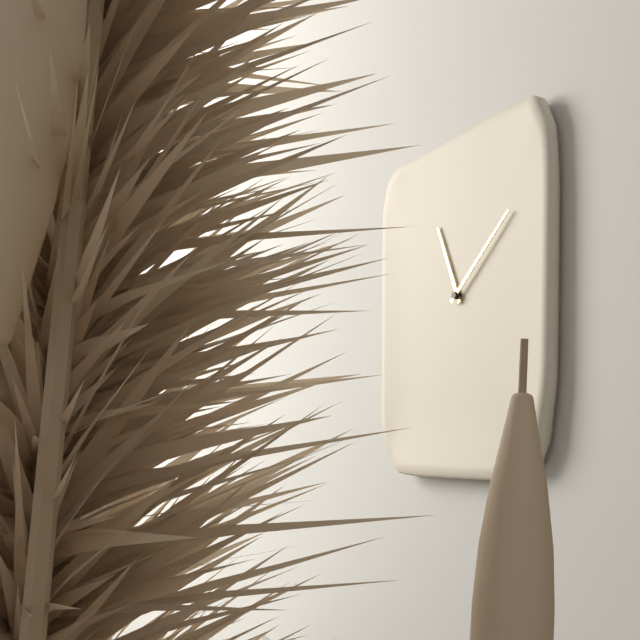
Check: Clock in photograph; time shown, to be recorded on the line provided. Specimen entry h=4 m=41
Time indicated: h=11 m=9
